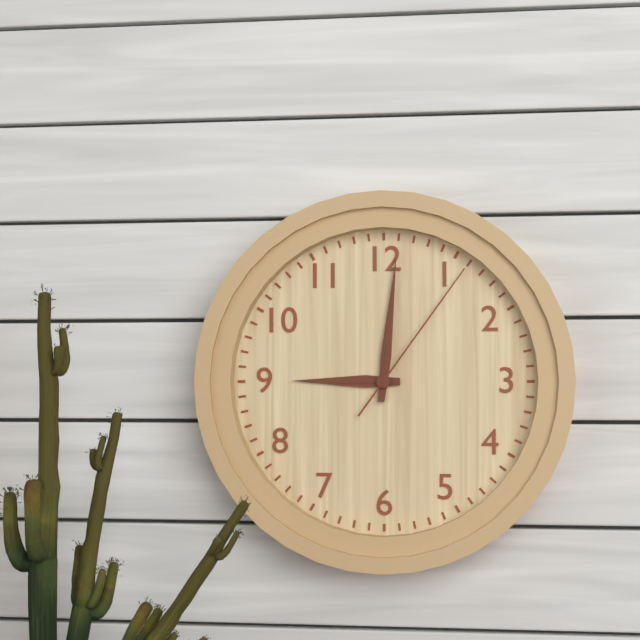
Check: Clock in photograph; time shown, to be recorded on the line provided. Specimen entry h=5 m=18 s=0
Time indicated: h=9 m=1 s=6
